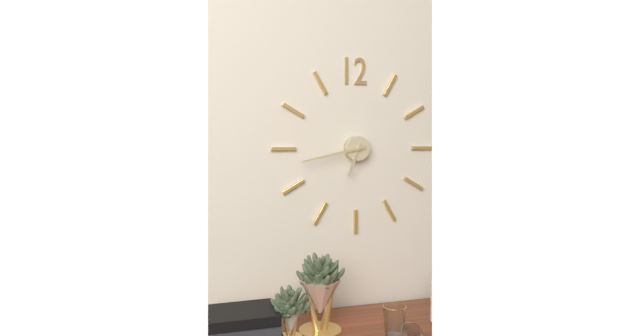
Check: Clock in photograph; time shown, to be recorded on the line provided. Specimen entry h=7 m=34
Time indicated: h=6 m=43
